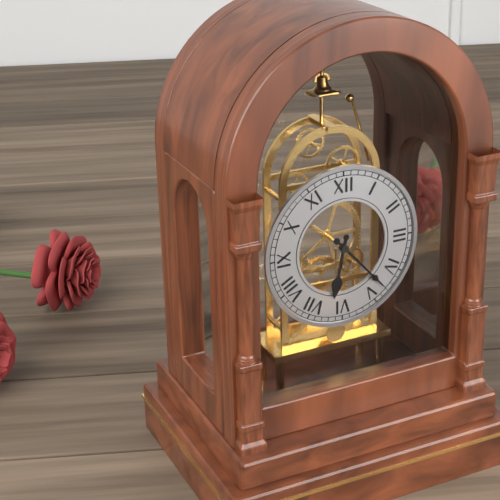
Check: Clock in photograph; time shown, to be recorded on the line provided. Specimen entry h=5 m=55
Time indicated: h=6 m=23
